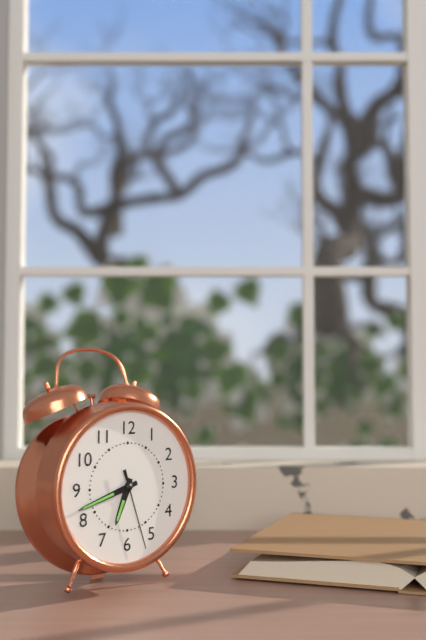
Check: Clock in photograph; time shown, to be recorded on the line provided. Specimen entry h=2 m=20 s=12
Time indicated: h=6 m=42 s=27
